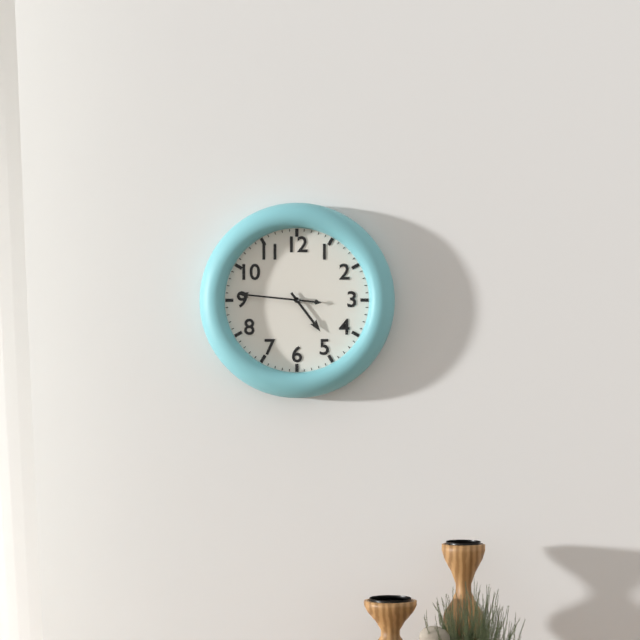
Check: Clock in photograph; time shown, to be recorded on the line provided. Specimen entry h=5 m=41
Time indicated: h=4 m=46
